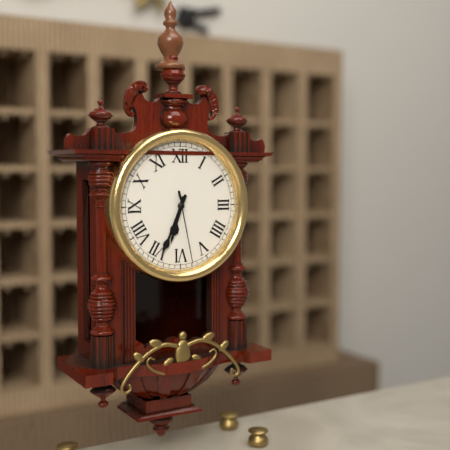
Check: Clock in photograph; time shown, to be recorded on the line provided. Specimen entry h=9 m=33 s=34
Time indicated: h=6 m=34 s=28
